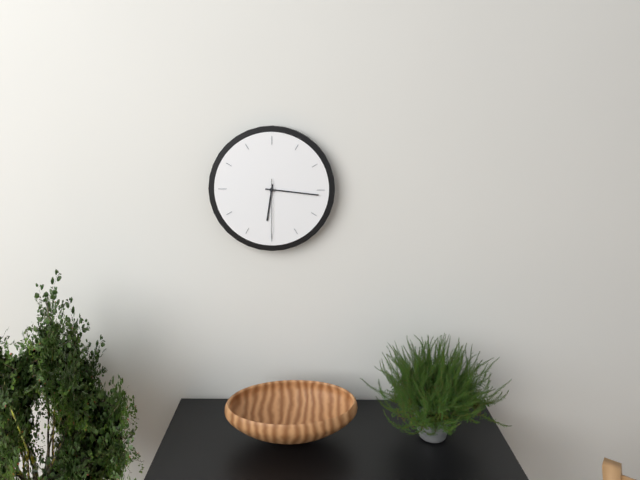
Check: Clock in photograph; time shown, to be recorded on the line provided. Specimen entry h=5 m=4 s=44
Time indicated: h=6 m=16 s=30
